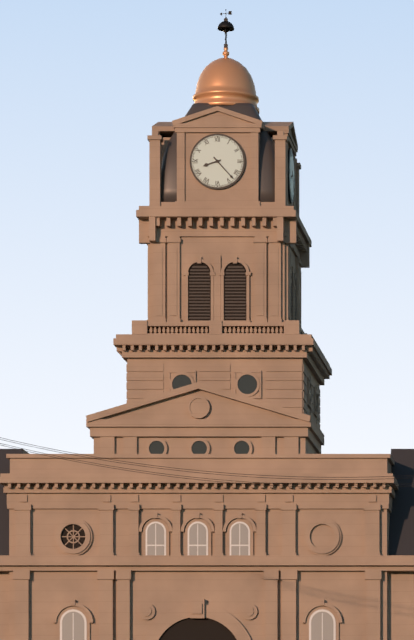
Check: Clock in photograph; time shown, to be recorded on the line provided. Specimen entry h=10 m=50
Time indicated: h=8 m=23
